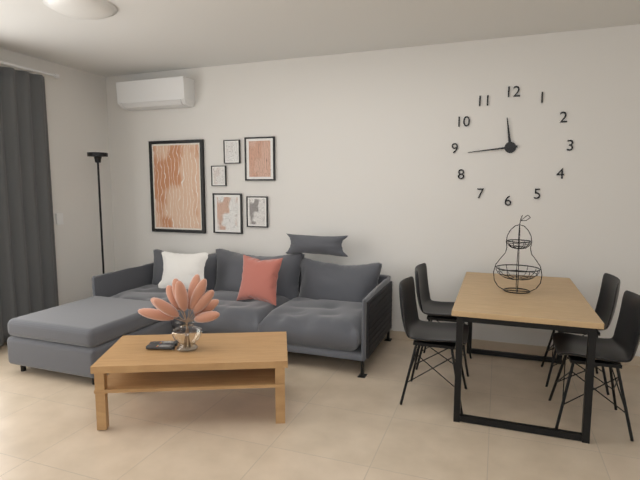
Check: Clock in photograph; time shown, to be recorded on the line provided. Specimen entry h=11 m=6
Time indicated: h=11 m=44
